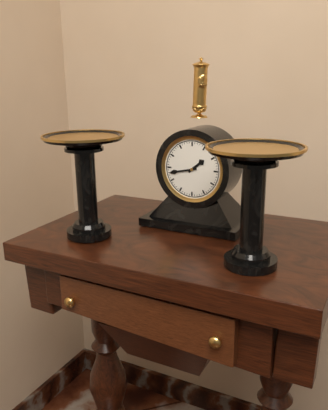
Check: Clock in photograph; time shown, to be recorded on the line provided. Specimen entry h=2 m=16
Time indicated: h=1 m=43
